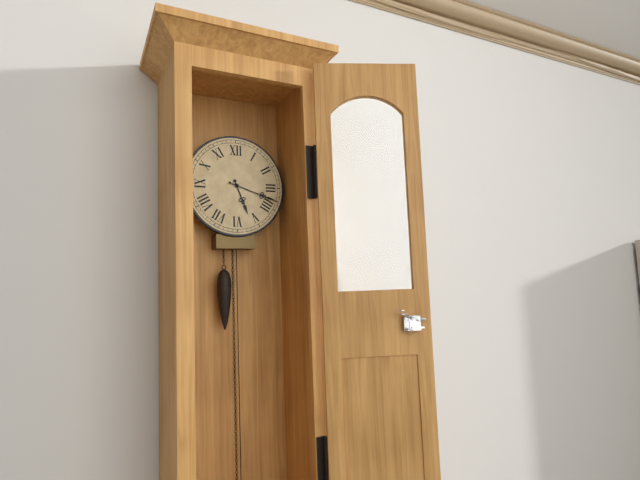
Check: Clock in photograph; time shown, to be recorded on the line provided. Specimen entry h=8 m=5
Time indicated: h=5 m=18
